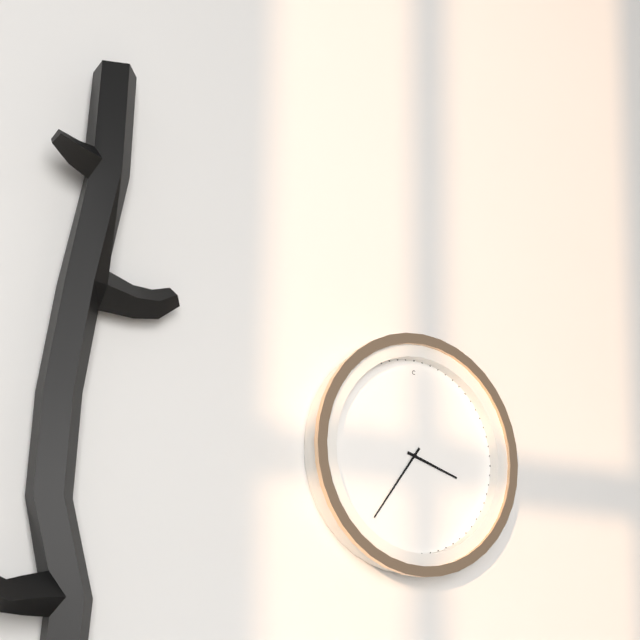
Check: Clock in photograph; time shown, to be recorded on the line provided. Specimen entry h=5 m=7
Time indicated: h=3 m=36
